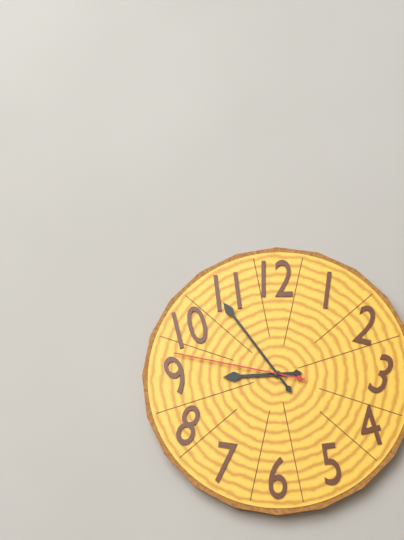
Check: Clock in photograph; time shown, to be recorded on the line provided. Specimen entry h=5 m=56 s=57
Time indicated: h=8 m=54 s=47
